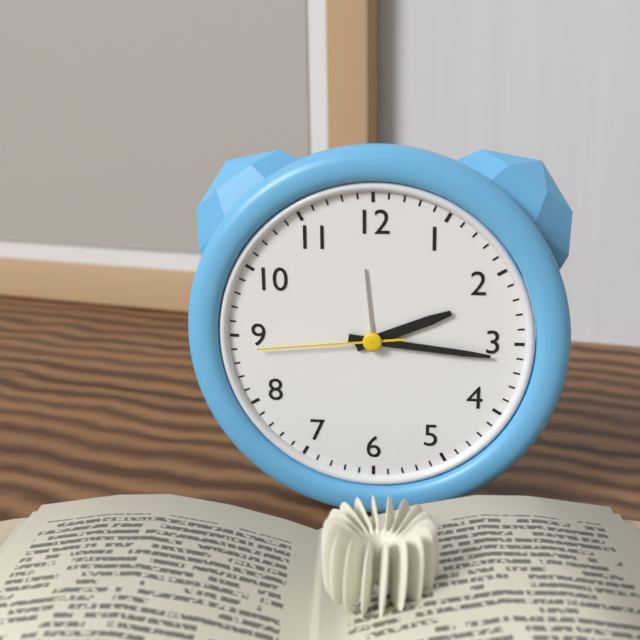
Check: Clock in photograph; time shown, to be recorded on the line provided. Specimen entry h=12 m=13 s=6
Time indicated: h=2 m=16 s=44
